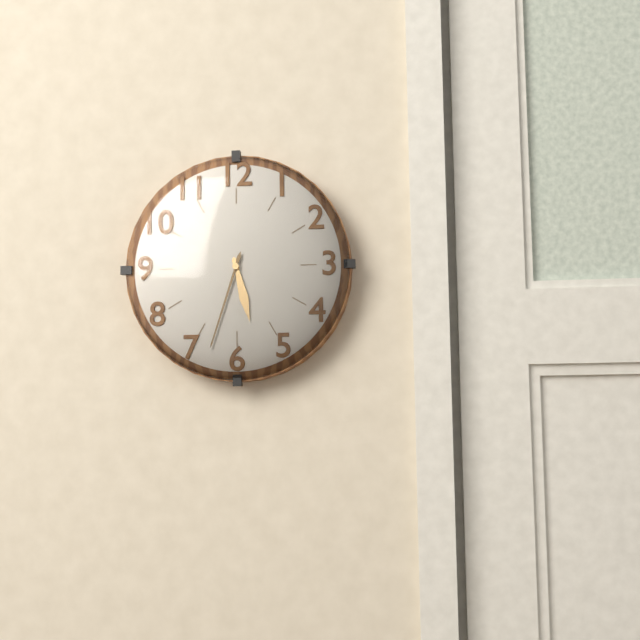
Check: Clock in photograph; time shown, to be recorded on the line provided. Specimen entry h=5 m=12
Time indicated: h=5 m=33
